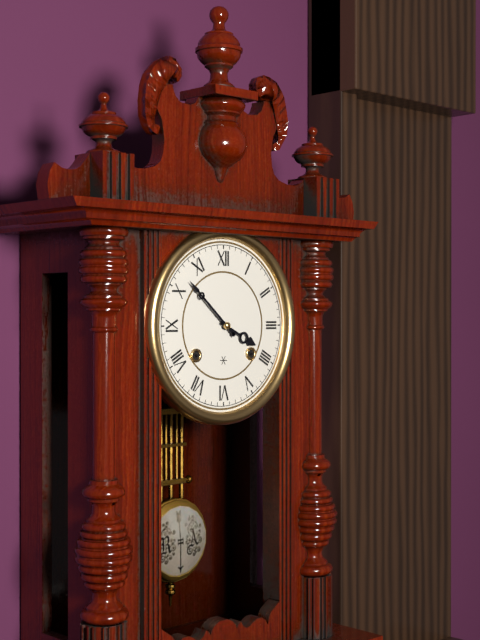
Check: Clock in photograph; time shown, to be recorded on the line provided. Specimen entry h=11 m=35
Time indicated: h=3 m=52
